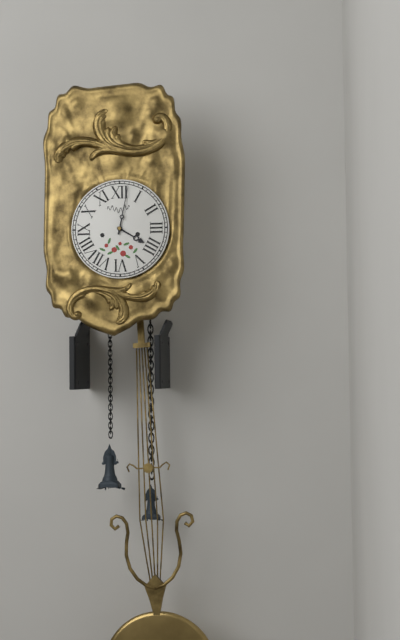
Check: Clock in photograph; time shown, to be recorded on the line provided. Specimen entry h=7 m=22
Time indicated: h=4 m=2
